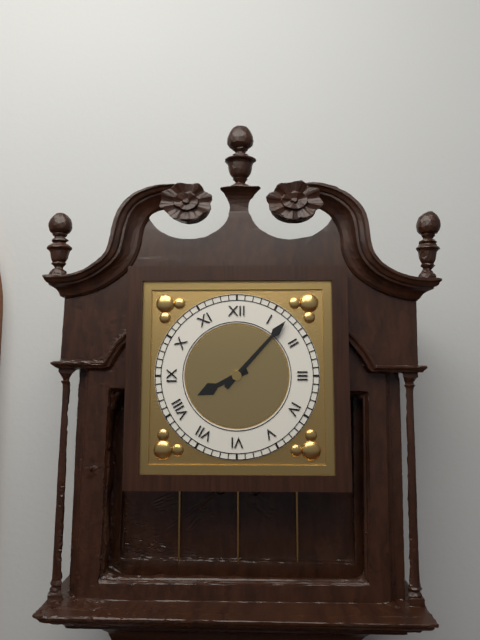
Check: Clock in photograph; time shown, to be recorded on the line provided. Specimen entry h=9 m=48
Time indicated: h=8 m=7
